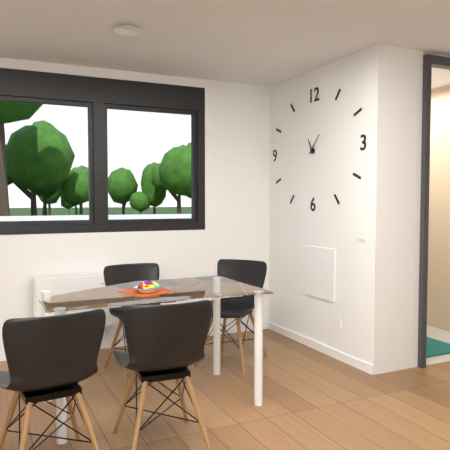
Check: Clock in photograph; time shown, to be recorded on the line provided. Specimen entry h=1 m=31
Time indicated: h=11 m=7
